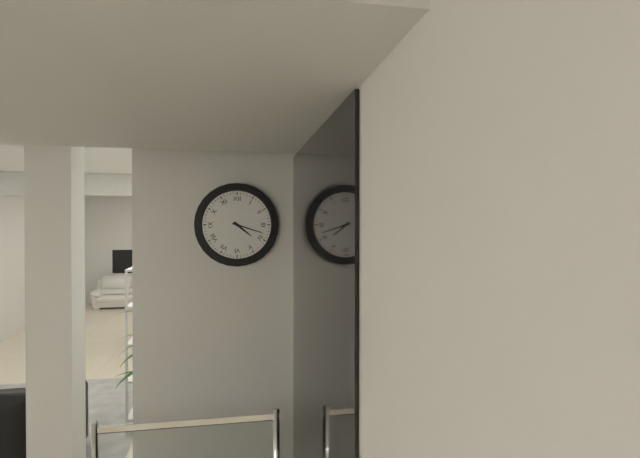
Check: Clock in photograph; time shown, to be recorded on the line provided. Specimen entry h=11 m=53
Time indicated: h=4 m=18
